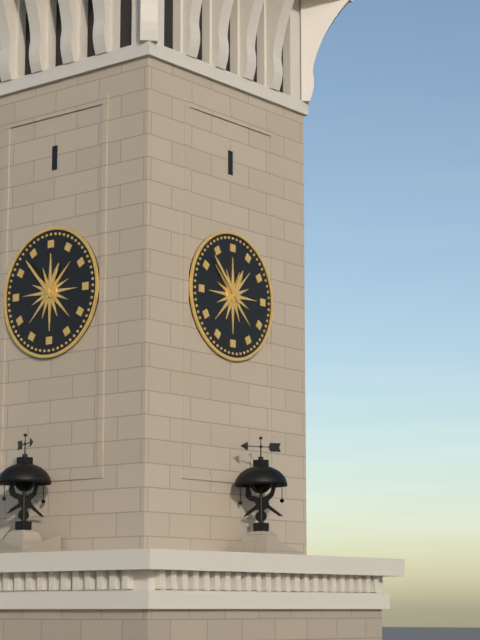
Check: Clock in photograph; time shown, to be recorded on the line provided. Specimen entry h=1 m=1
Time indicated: h=12 m=53
